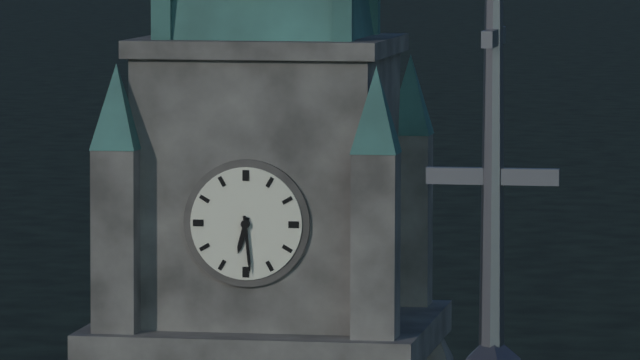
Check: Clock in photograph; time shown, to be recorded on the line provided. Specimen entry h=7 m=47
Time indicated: h=6 m=29
